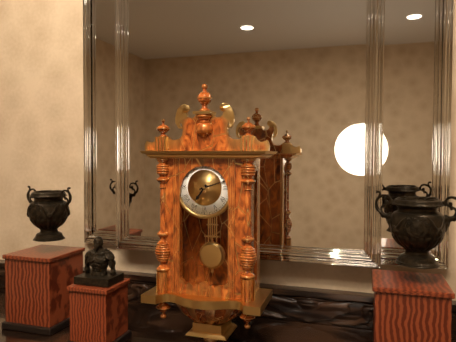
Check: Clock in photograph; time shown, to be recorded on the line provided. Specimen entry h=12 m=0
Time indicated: h=7 m=12
